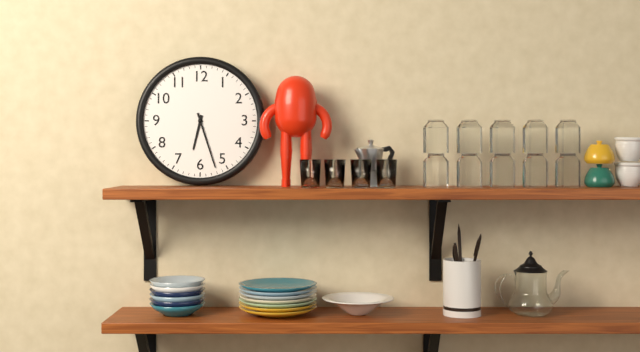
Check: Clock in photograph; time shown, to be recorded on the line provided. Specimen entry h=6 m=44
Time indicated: h=6 m=27
